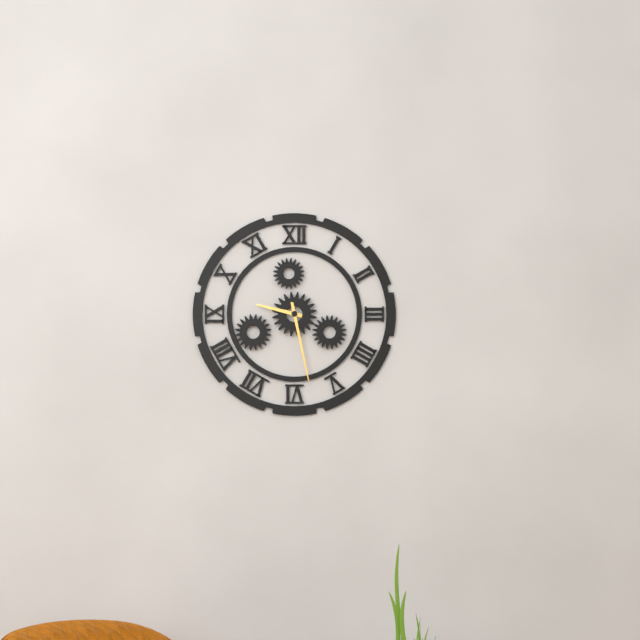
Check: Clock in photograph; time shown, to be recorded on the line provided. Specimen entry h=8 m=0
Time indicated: h=9 m=28
